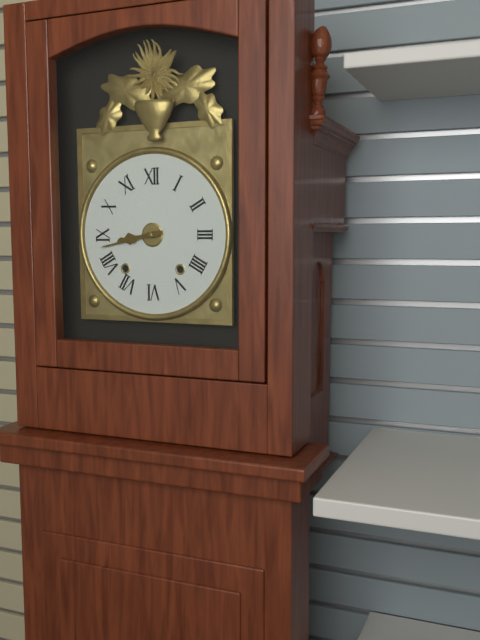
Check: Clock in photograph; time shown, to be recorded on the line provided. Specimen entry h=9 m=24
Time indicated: h=8 m=43
